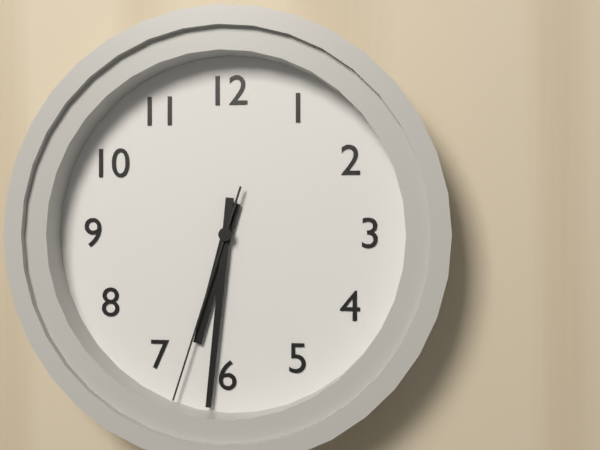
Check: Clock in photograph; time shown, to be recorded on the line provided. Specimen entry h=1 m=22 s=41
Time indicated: h=6 m=31 s=33
